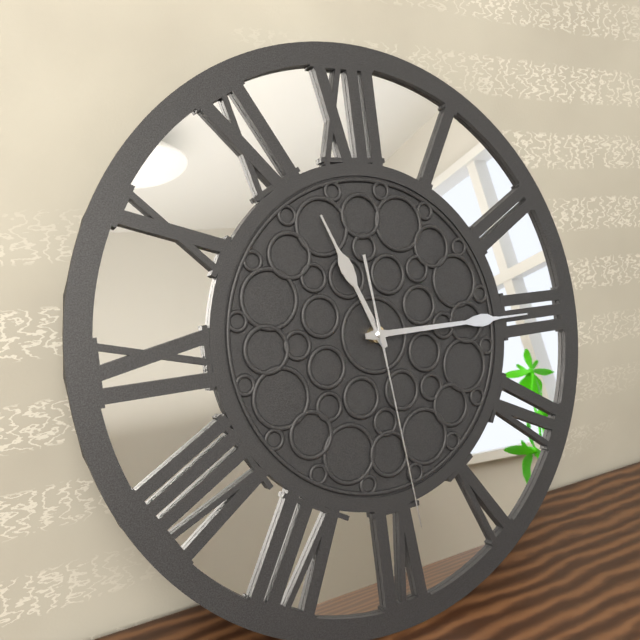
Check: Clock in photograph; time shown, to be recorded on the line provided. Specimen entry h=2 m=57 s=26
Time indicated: h=11 m=15 s=29
